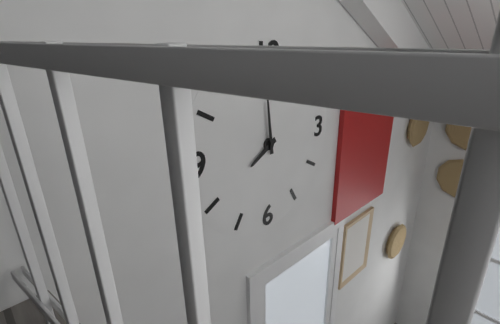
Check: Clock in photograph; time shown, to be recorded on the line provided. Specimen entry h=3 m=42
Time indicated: h=7 m=59
